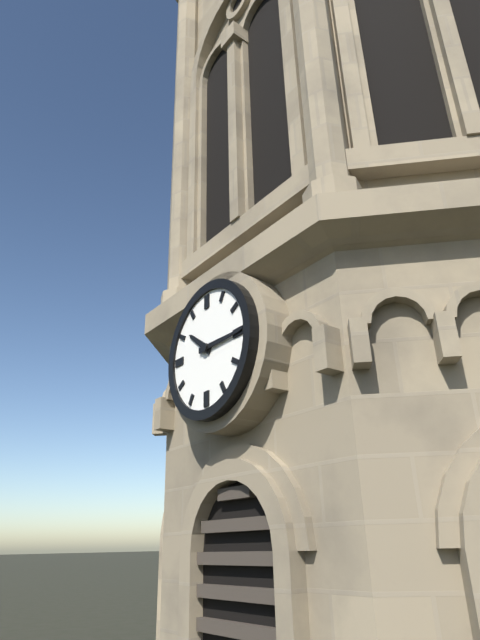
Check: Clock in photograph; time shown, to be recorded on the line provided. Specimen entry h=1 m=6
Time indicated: h=10 m=15
